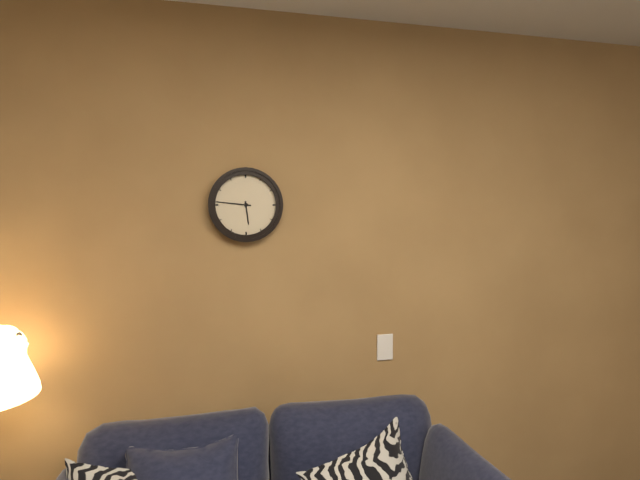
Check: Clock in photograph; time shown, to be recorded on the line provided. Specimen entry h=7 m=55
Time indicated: h=5 m=46
